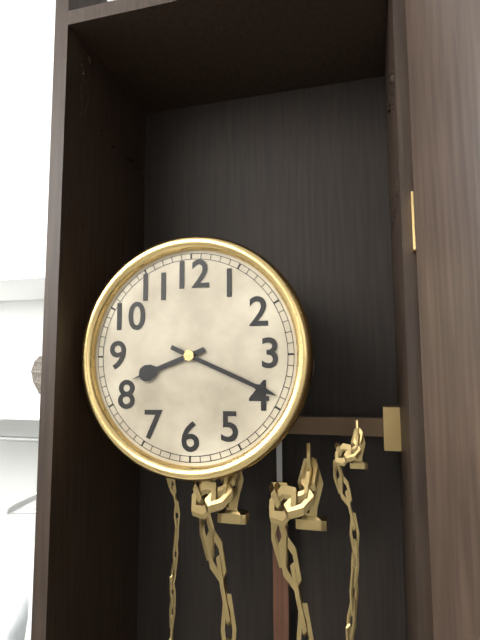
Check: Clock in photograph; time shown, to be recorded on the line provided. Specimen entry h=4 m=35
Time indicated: h=8 m=19
